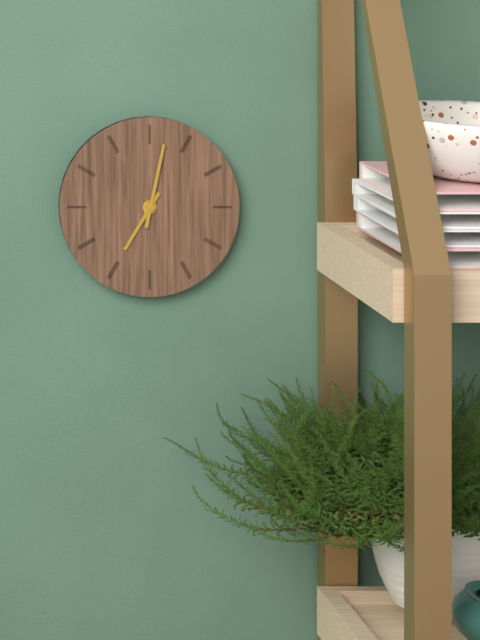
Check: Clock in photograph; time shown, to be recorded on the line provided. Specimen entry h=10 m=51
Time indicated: h=7 m=2
